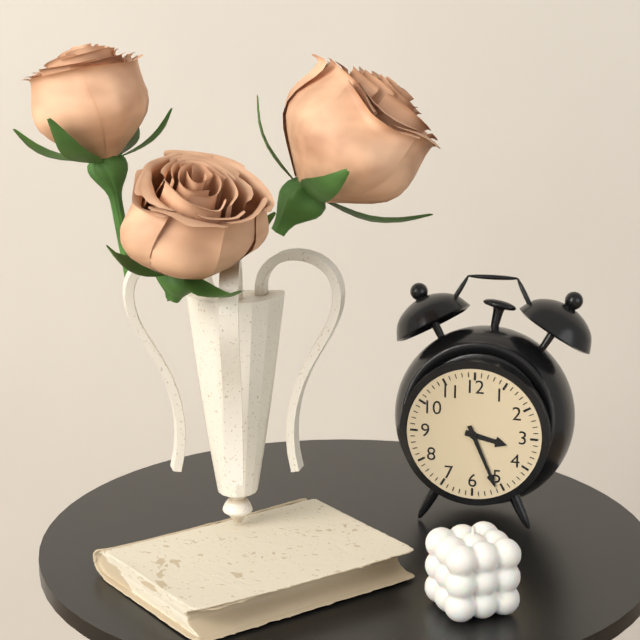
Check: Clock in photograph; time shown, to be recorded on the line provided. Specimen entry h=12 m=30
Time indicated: h=3 m=26
